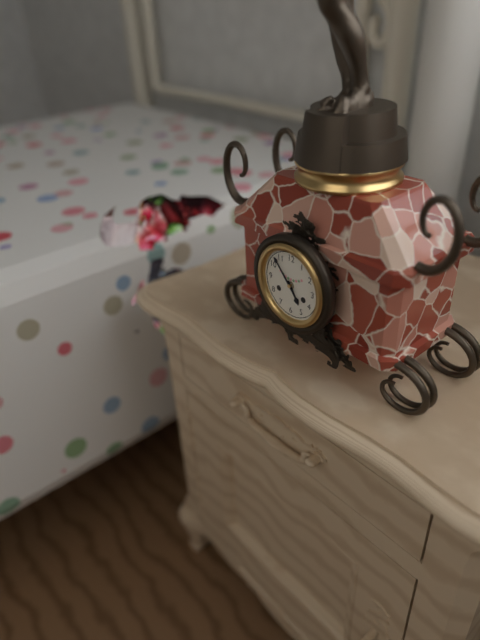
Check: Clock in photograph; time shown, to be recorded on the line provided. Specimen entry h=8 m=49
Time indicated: h=4 m=53
